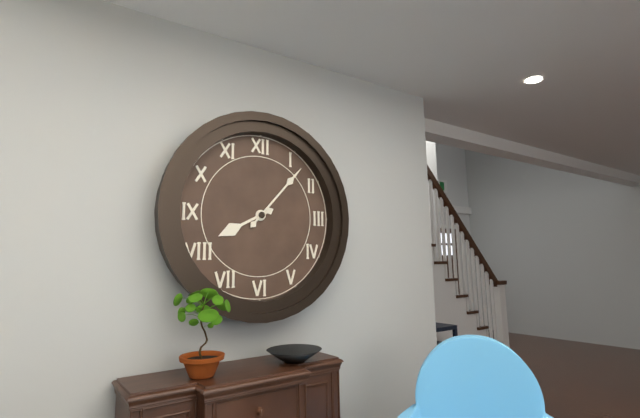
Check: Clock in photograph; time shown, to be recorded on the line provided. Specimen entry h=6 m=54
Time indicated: h=8 m=7
